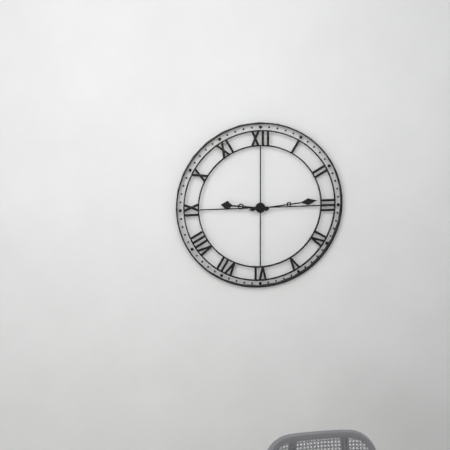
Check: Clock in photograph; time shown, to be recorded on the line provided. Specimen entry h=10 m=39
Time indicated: h=9 m=14
